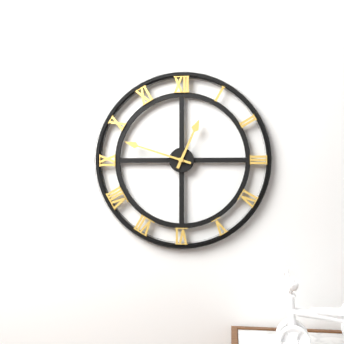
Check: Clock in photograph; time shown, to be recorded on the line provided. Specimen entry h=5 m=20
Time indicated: h=12 m=48
